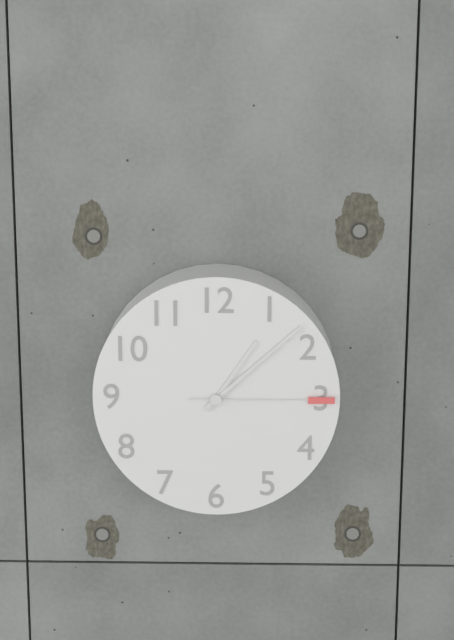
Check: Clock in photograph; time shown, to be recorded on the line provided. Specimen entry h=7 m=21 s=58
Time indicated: h=1 m=8 s=15
